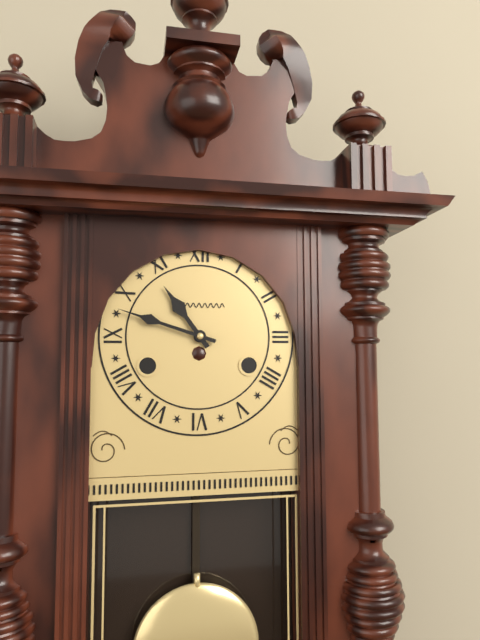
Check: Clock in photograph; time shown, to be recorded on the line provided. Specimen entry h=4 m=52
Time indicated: h=10 m=48
